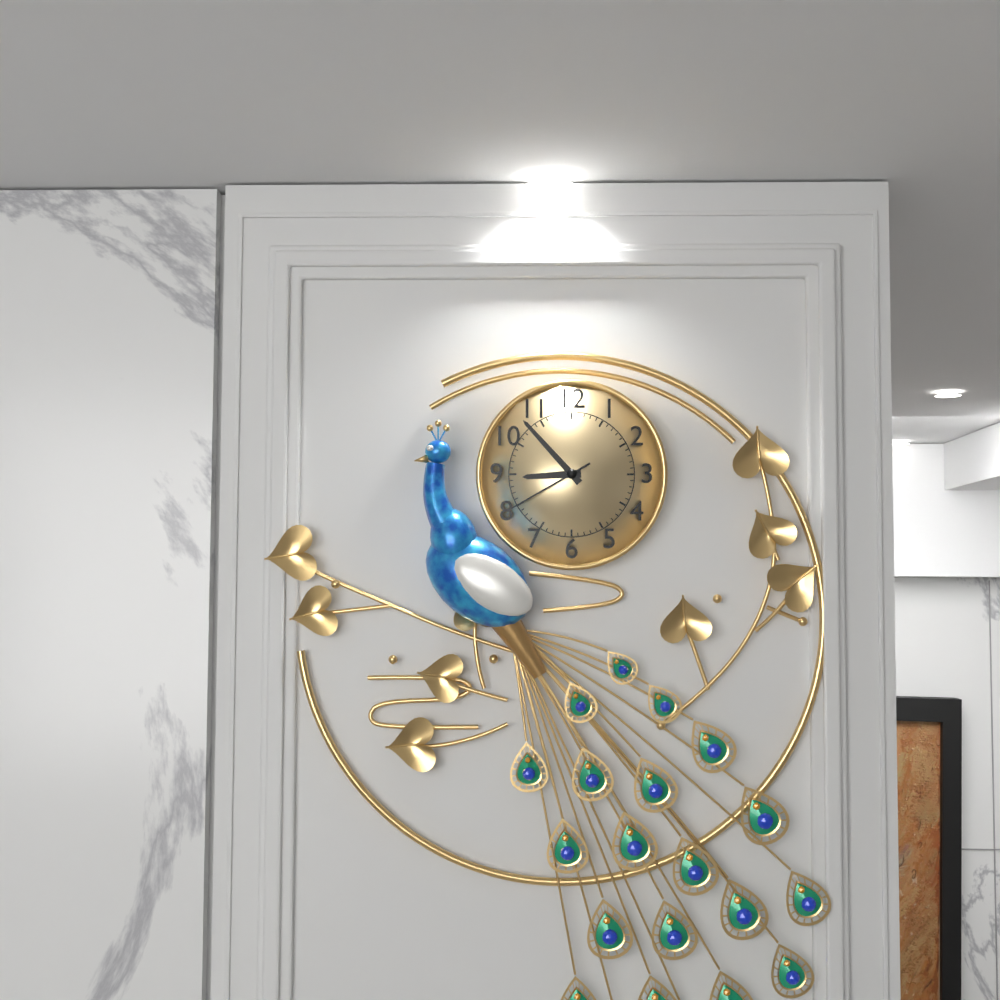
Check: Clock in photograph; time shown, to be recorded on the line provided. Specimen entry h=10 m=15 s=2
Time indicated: h=8 m=53 s=40
